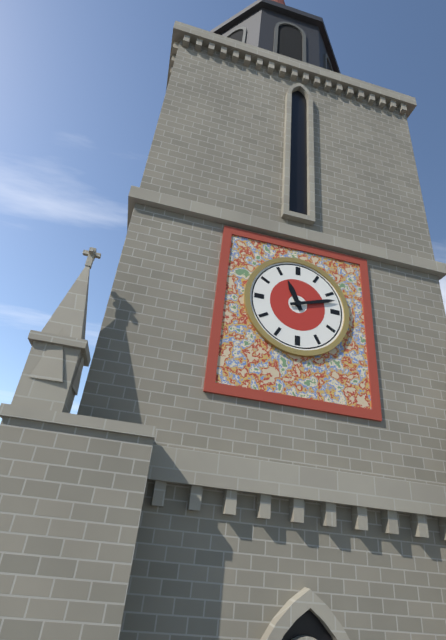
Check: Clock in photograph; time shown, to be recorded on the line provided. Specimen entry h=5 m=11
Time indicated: h=11 m=12
